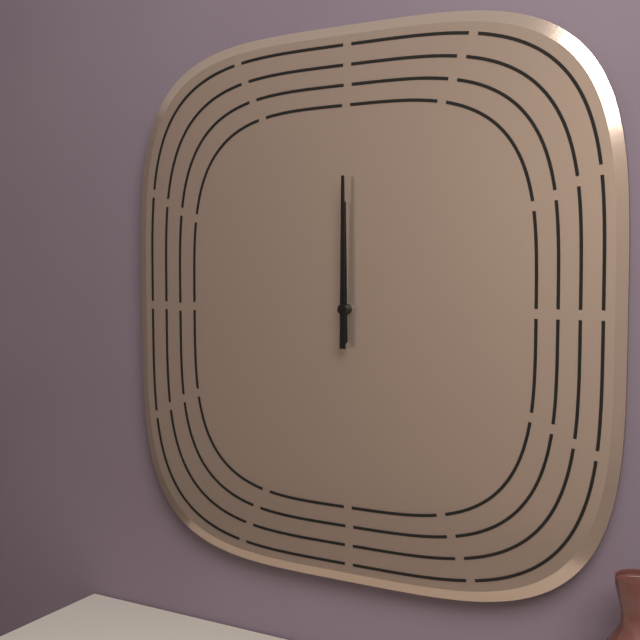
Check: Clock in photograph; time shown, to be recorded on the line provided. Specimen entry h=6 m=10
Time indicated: h=12 m=0
